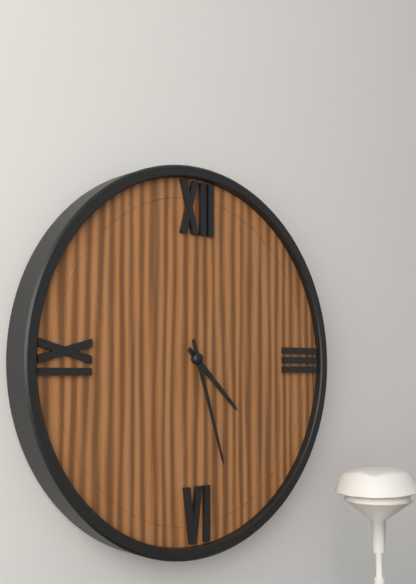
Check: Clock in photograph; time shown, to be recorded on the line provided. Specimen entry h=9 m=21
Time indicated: h=4 m=27
